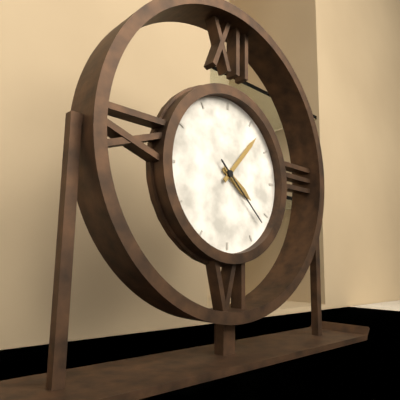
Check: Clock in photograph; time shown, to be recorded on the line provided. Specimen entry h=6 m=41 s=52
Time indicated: h=4 m=7 s=22
